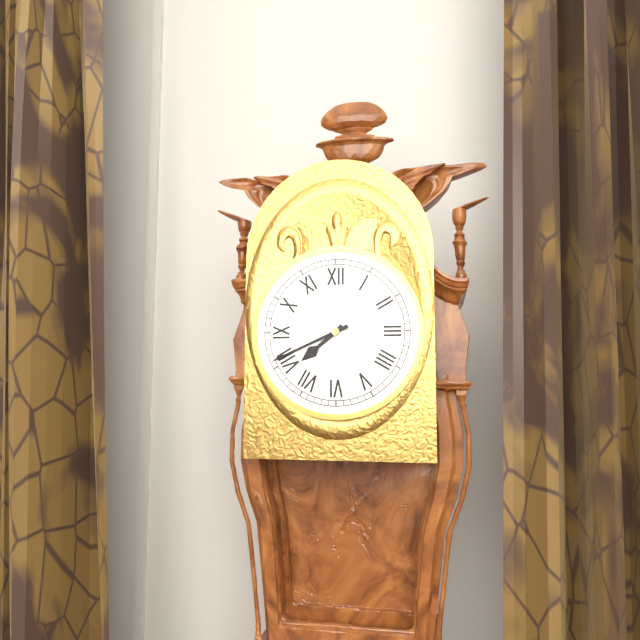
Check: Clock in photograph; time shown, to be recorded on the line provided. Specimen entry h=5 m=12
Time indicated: h=7 m=41
